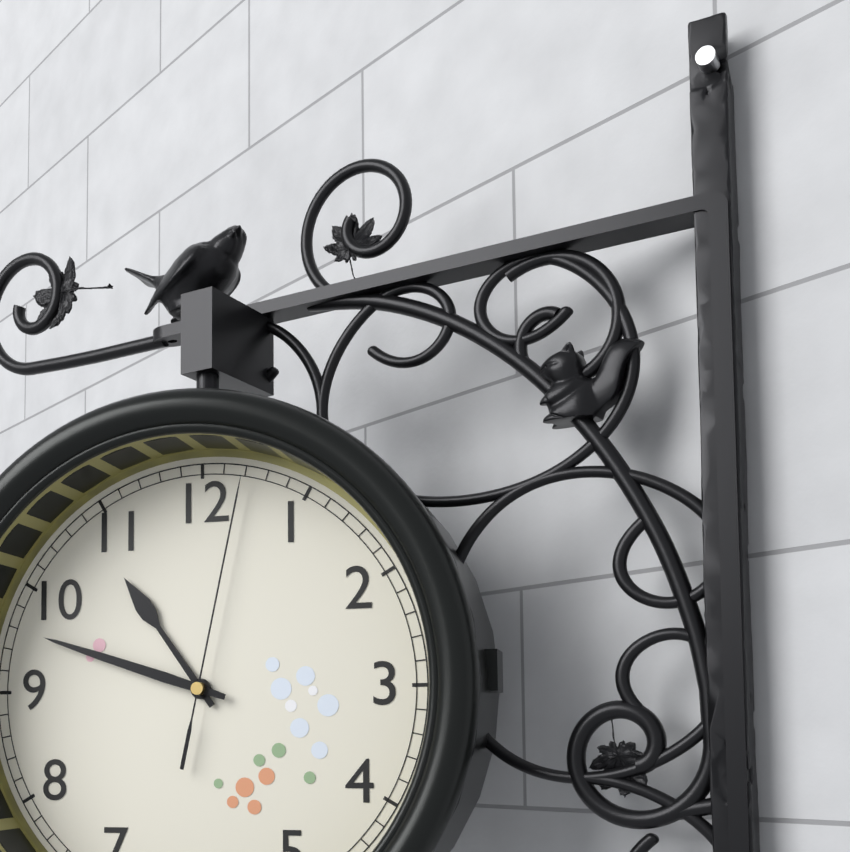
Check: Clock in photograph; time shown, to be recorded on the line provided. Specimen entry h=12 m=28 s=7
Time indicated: h=10 m=48 s=2
